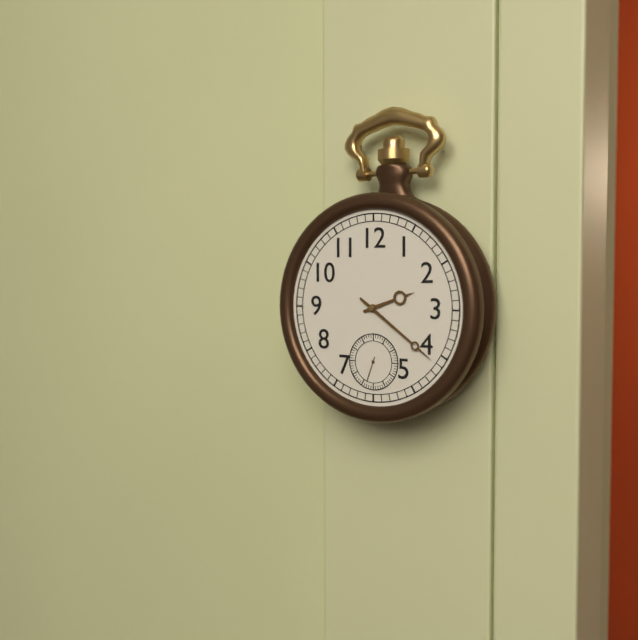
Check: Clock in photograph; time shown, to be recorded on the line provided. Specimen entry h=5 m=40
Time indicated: h=2 m=21
